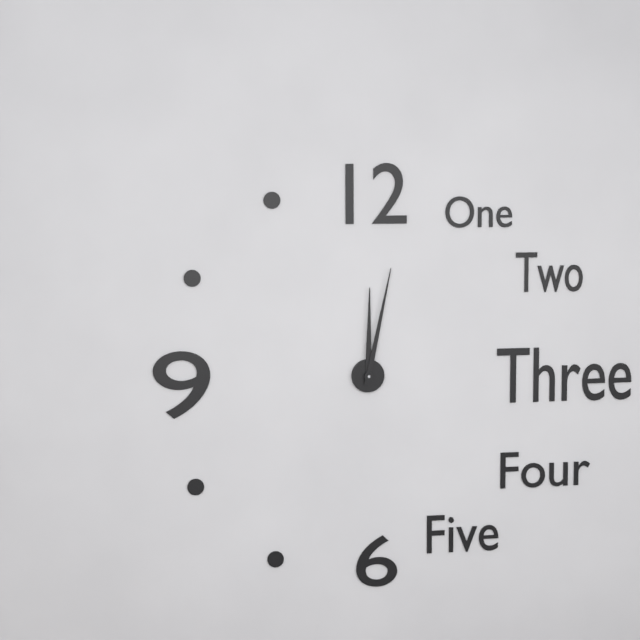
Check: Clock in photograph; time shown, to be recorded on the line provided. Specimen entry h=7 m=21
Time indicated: h=12 m=2
